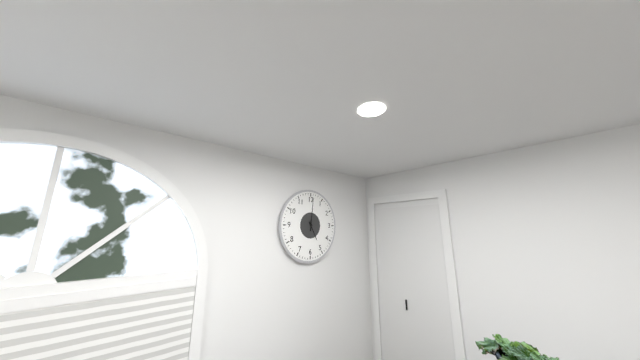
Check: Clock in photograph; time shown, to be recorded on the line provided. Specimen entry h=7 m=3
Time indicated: h=5 m=1
